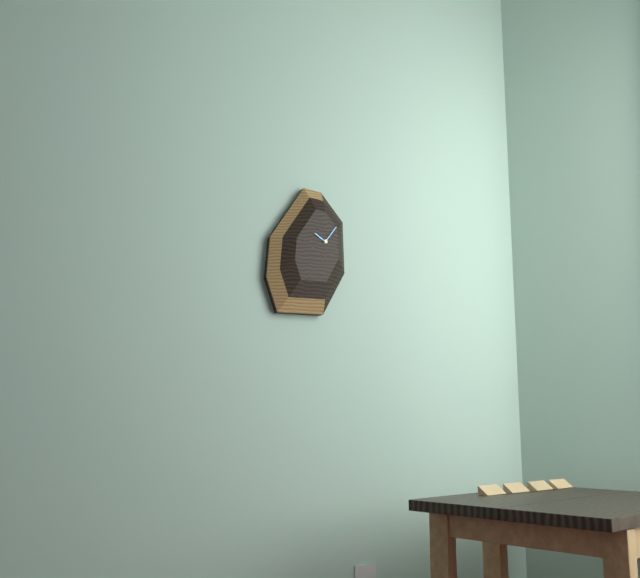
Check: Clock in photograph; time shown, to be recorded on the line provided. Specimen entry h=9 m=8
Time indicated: h=10 m=6
